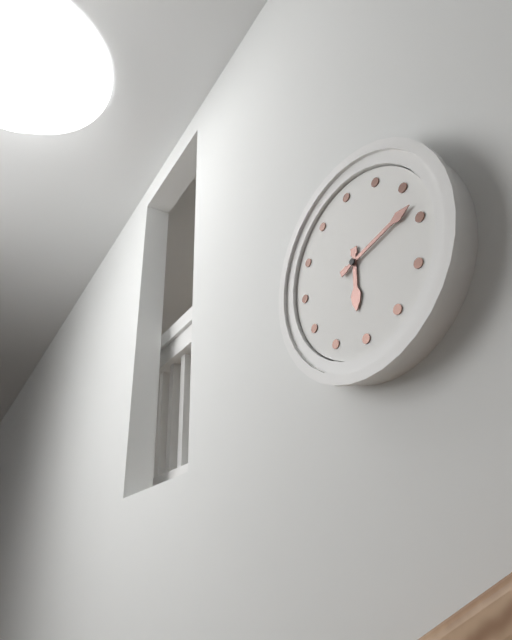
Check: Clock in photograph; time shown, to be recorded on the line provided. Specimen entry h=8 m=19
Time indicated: h=6 m=13
